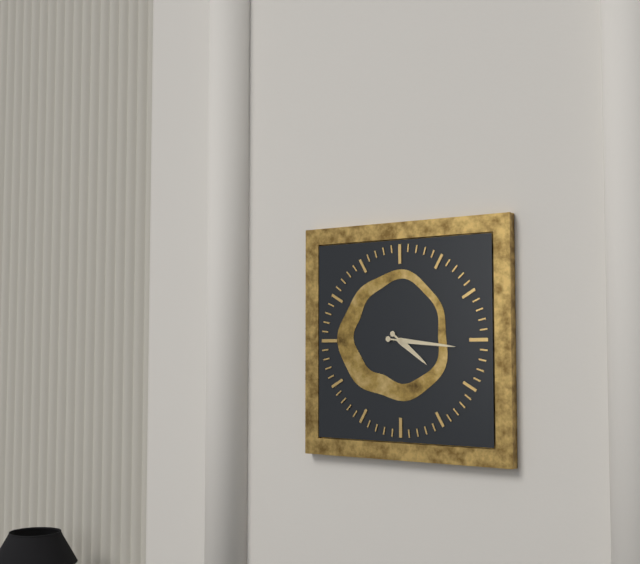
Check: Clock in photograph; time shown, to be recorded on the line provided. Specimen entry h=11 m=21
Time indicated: h=4 m=16
